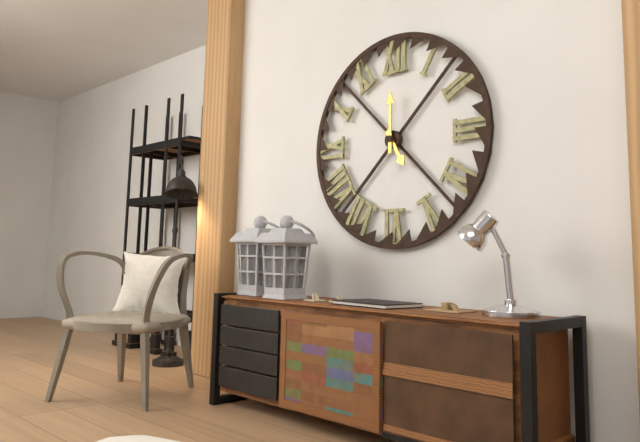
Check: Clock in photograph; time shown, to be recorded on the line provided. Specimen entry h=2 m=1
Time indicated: h=5 m=0
